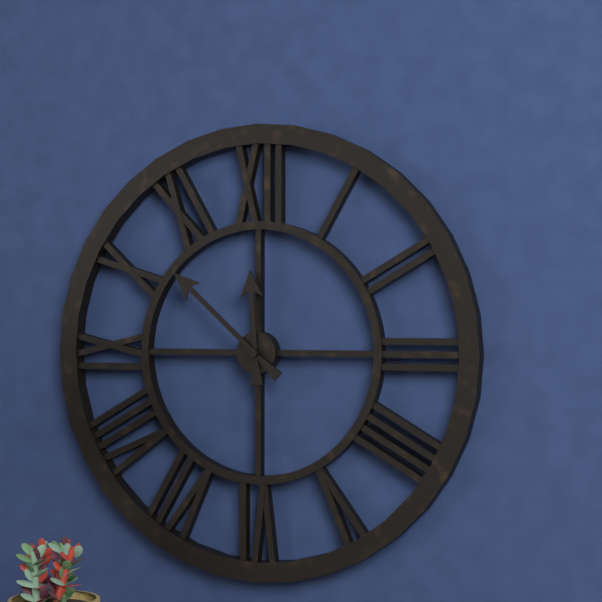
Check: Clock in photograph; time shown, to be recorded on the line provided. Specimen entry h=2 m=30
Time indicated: h=11 m=52
